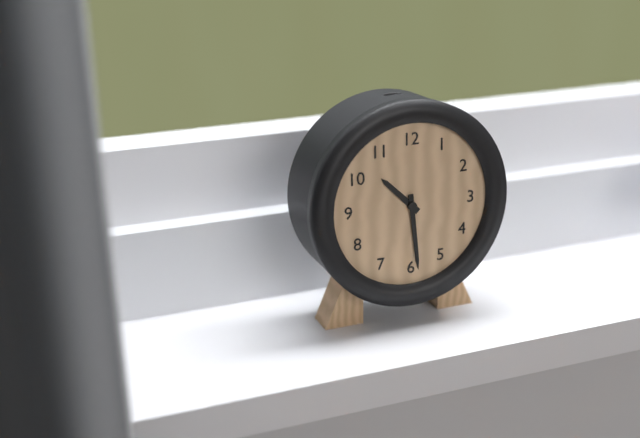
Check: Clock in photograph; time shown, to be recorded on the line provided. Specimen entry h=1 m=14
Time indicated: h=10 m=29
